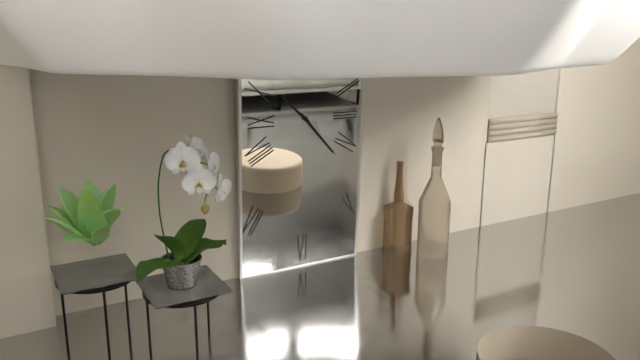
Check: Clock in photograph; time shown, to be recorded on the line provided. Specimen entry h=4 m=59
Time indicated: h=10 m=23
